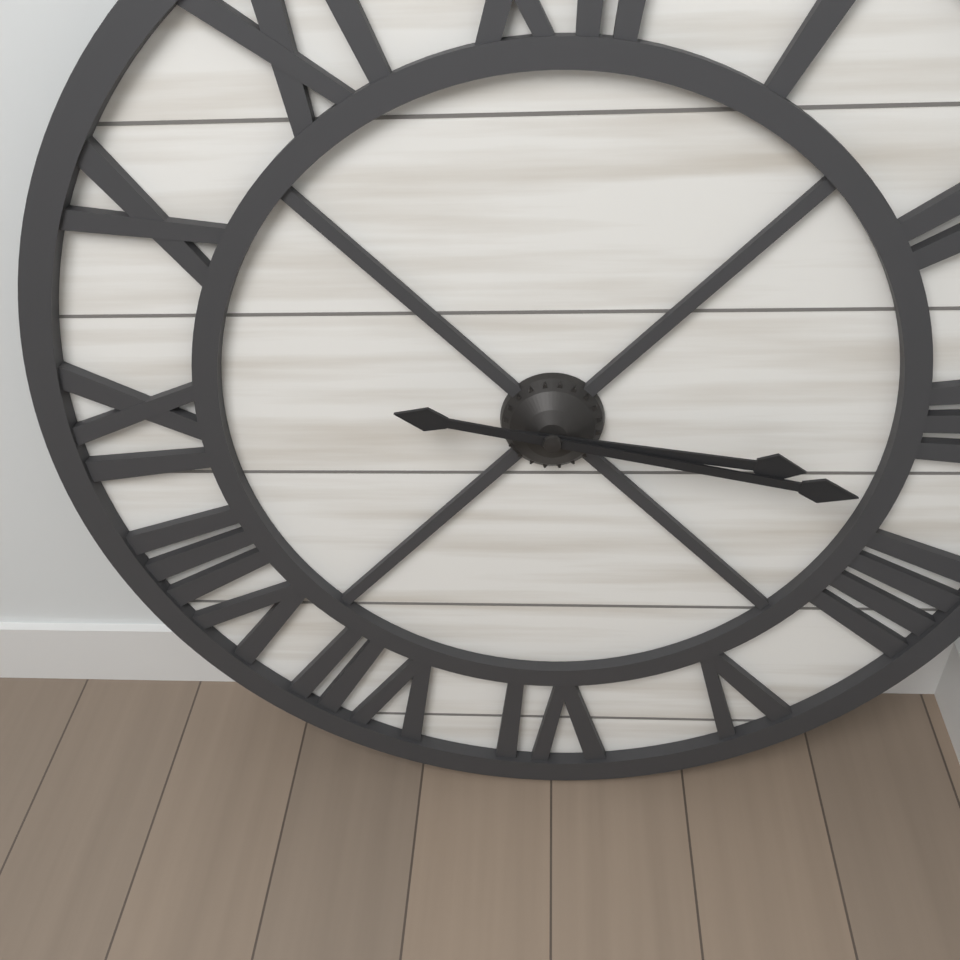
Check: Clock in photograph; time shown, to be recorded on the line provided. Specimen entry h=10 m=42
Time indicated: h=3 m=17
